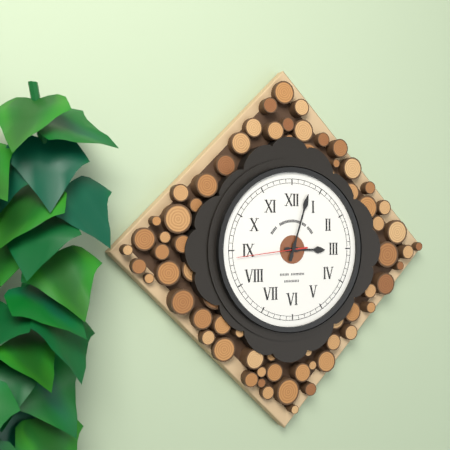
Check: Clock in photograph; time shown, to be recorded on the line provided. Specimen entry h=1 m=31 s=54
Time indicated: h=3 m=3 s=44
